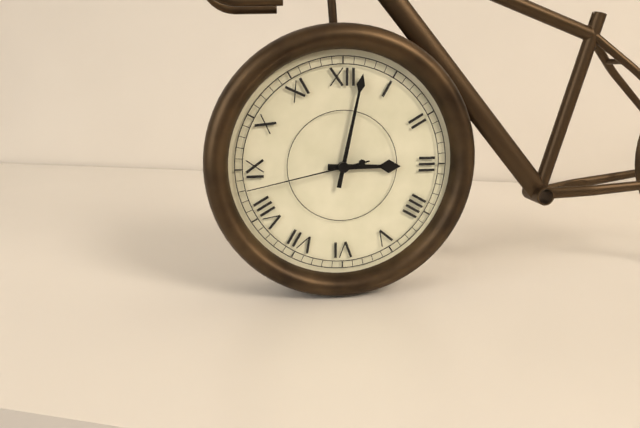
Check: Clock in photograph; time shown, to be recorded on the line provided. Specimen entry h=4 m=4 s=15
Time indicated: h=3 m=2 s=43
